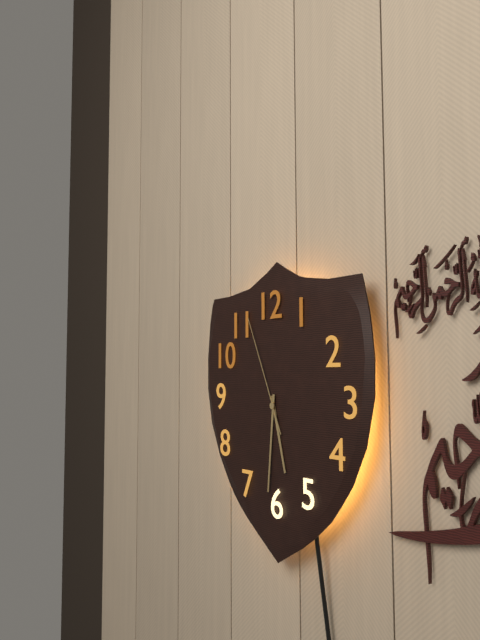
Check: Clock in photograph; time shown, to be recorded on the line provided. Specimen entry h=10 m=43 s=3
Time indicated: h=5 m=31 s=56
